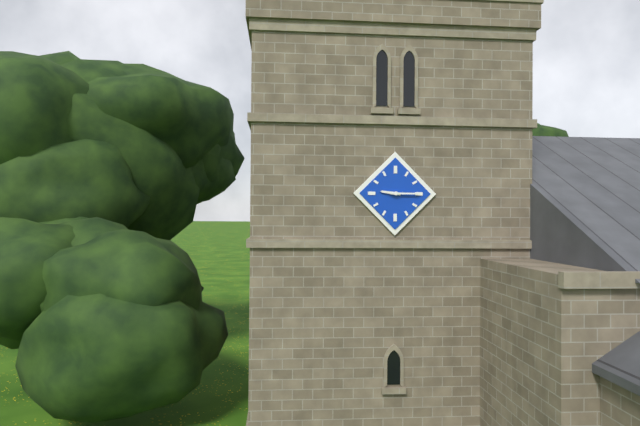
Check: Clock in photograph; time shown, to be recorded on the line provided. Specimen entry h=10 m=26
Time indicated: h=9 m=15
